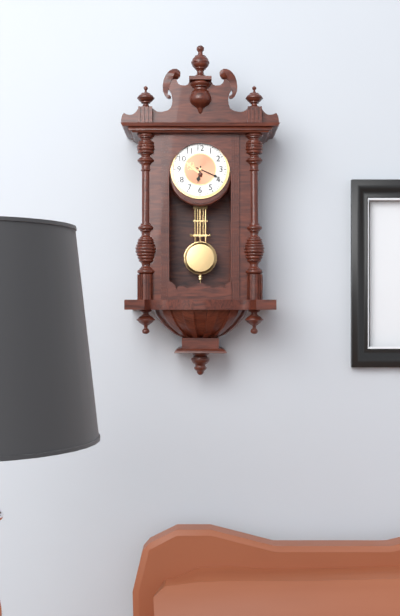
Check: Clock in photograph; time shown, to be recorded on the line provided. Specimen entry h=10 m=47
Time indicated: h=6 m=19
